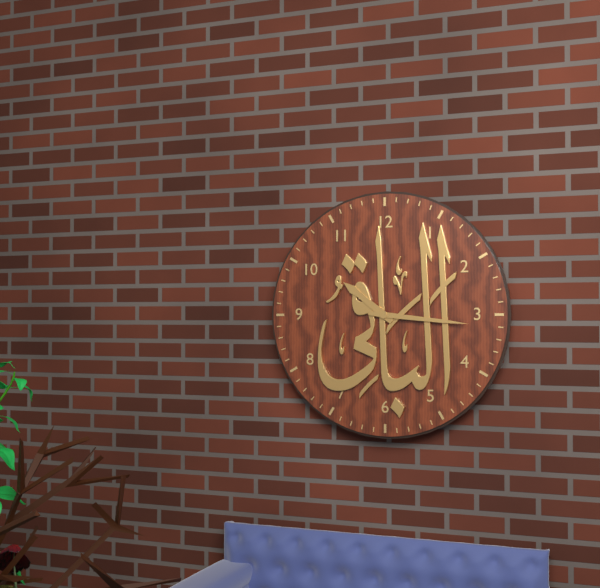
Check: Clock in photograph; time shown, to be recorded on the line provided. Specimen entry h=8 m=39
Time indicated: h=10 m=16
